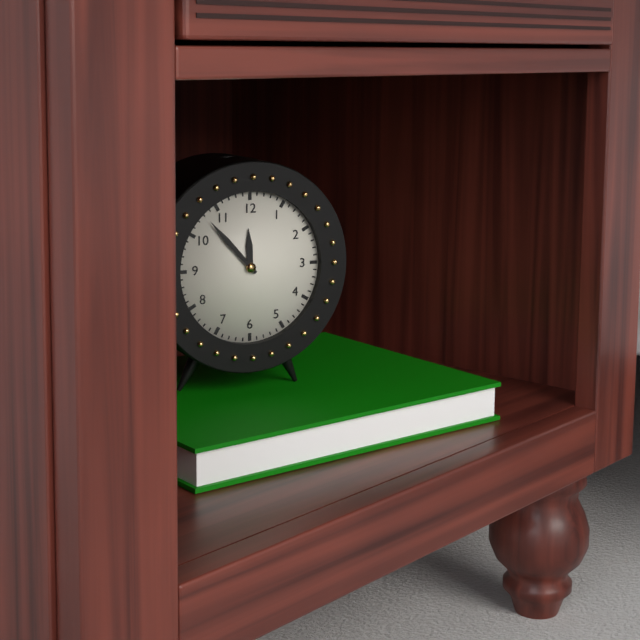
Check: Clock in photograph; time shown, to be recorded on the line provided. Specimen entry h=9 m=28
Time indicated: h=11 m=53
